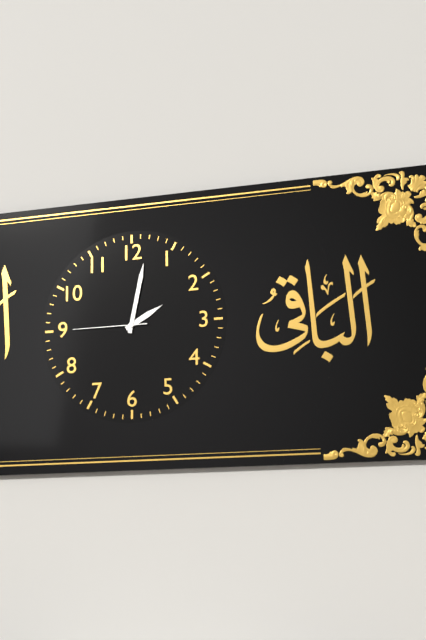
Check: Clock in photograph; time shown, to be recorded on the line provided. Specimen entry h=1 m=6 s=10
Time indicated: h=2 m=2 s=45
